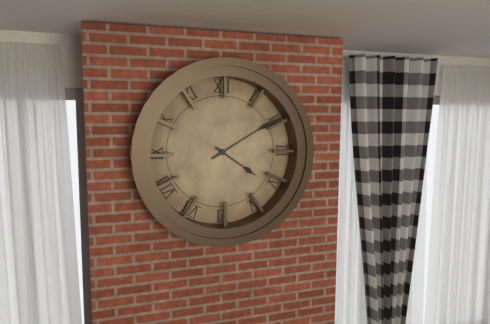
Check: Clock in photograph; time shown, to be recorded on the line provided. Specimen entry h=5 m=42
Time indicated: h=4 m=10
